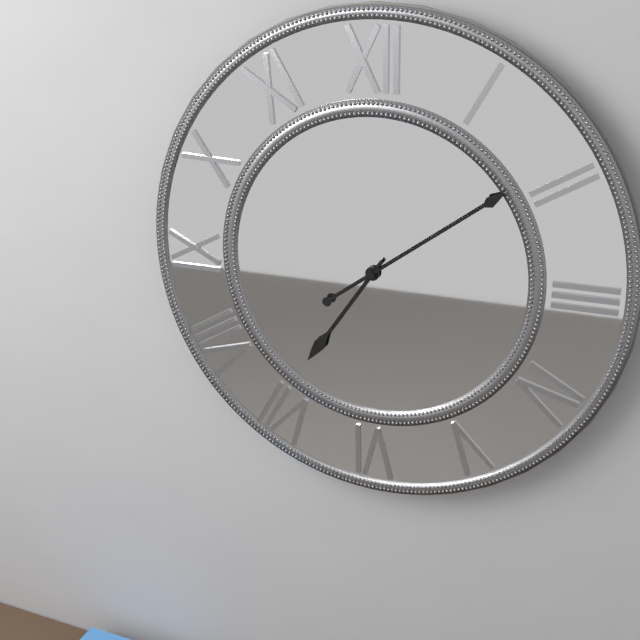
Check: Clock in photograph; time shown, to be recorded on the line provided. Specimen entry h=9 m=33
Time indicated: h=7 m=9
